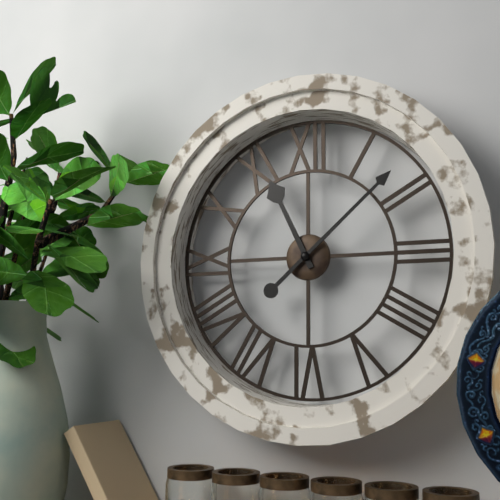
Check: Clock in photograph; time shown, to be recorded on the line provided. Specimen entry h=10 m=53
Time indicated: h=11 m=8
